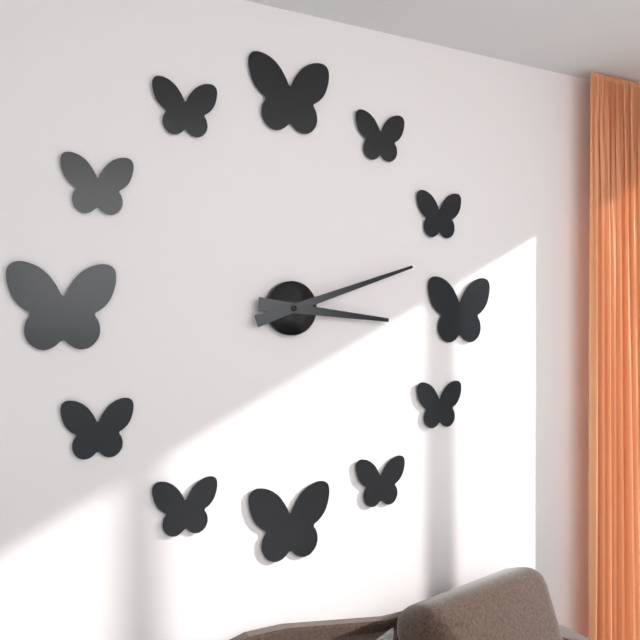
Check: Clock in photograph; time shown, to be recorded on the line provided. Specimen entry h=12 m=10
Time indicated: h=3 m=12
